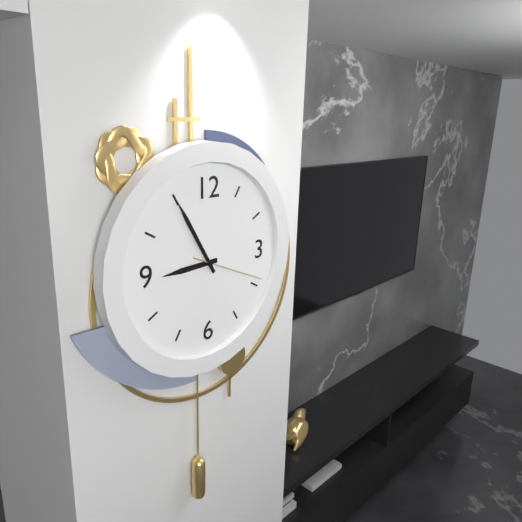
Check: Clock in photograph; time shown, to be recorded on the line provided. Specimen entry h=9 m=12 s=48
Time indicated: h=8 m=55 s=19
